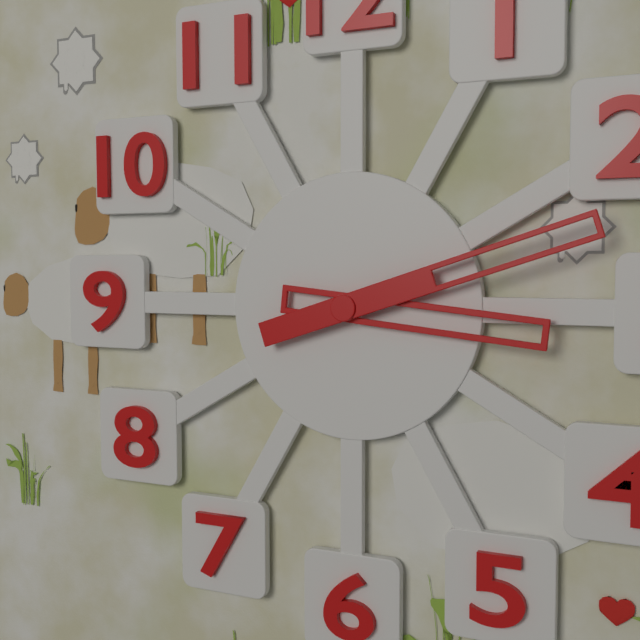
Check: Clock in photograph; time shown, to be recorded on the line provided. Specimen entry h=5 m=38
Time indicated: h=3 m=12
